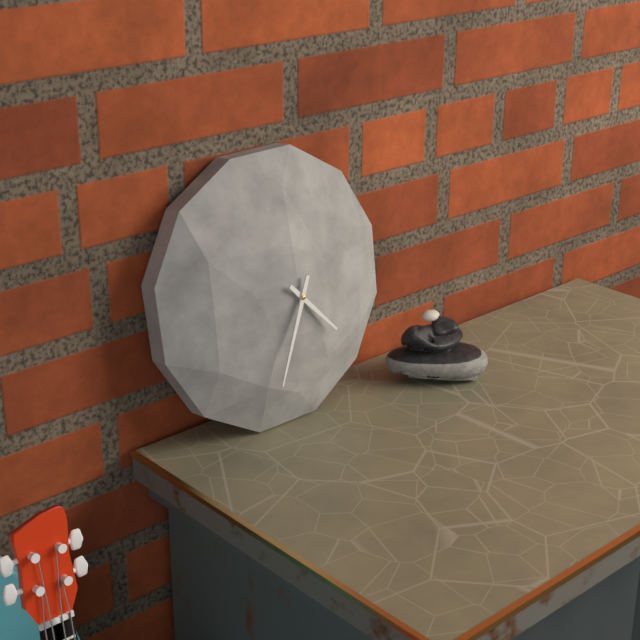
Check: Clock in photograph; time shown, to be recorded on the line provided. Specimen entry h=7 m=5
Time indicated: h=4 m=34
